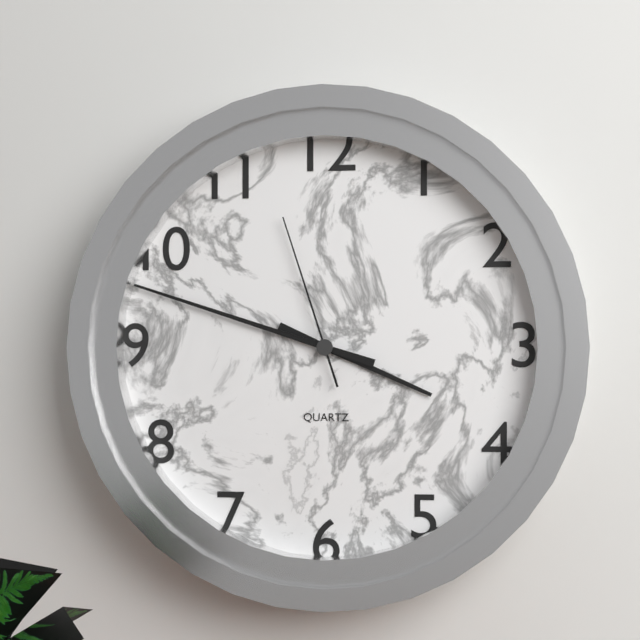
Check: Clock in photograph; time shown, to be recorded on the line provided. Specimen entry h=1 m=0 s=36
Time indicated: h=3 m=48 s=57
